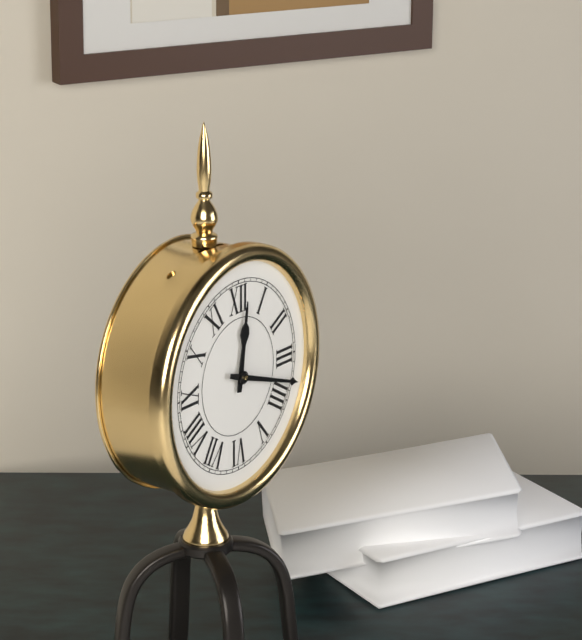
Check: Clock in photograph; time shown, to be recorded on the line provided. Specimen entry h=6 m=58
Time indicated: h=12 m=18
